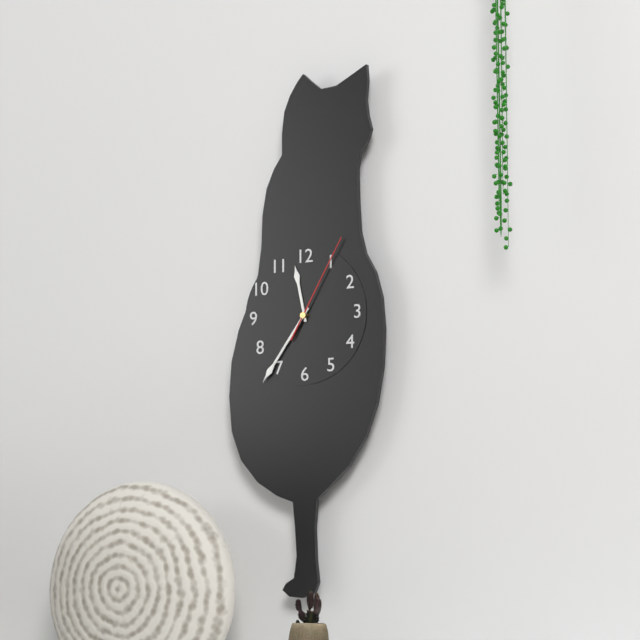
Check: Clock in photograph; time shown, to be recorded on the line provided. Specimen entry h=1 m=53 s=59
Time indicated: h=11 m=36 s=5
